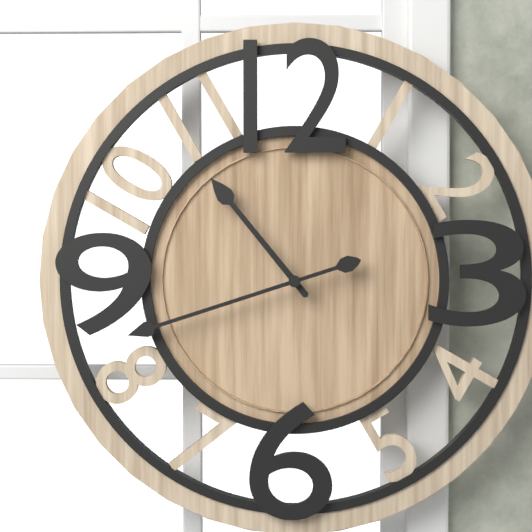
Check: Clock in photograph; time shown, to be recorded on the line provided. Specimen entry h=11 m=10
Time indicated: h=10 m=42
